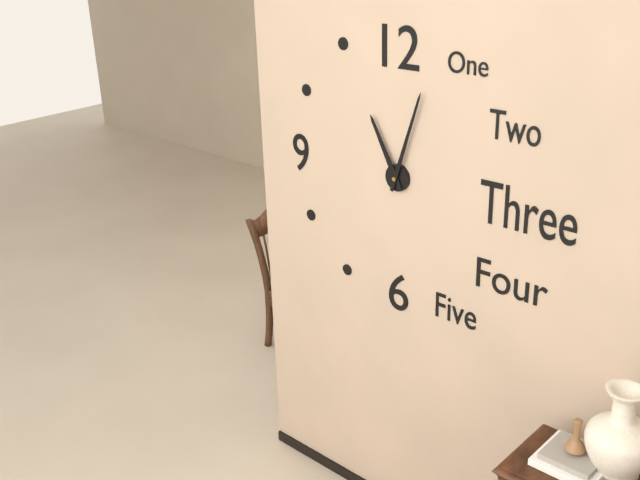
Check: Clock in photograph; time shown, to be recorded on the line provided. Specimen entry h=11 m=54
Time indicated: h=11 m=3
